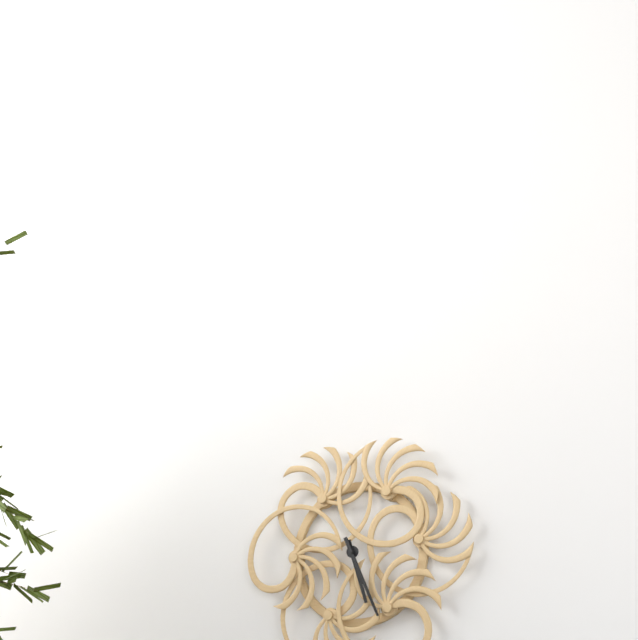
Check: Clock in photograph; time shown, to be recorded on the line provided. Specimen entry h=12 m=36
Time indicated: h=5 m=26
